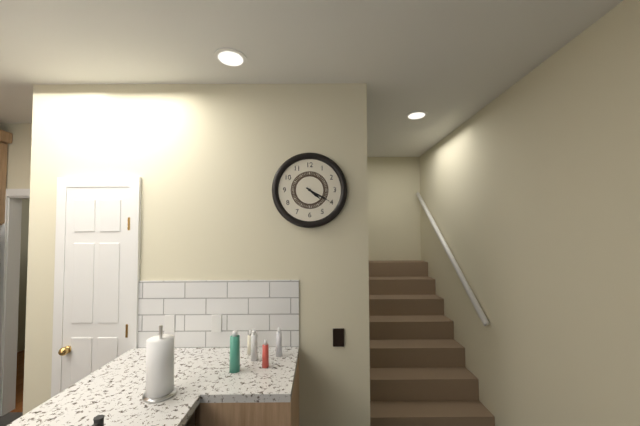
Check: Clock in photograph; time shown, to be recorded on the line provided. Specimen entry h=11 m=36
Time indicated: h=4 m=20
